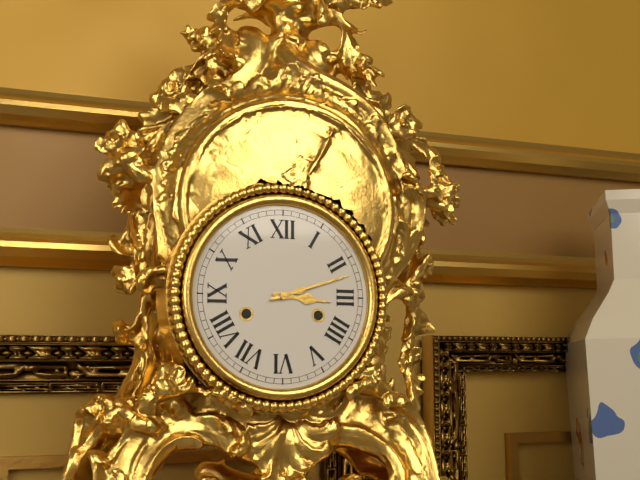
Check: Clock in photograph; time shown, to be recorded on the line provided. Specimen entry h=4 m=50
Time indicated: h=3 m=12
